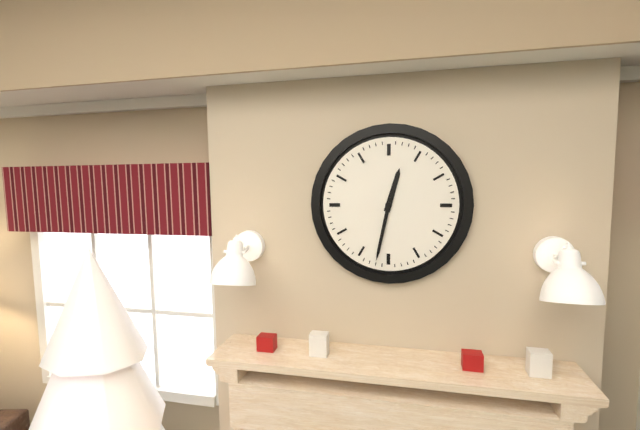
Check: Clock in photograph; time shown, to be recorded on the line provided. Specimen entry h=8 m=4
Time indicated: h=12 m=32
